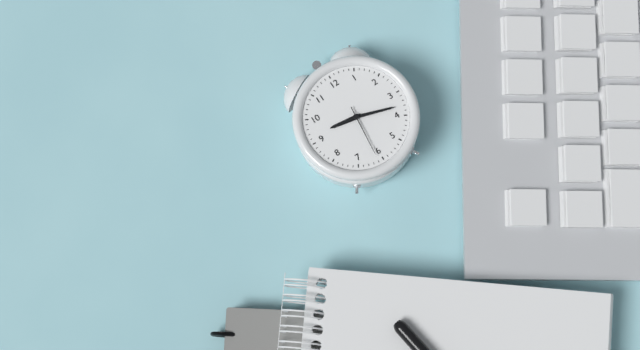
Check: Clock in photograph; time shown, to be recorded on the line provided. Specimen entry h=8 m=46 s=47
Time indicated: h=9 m=18 s=31
